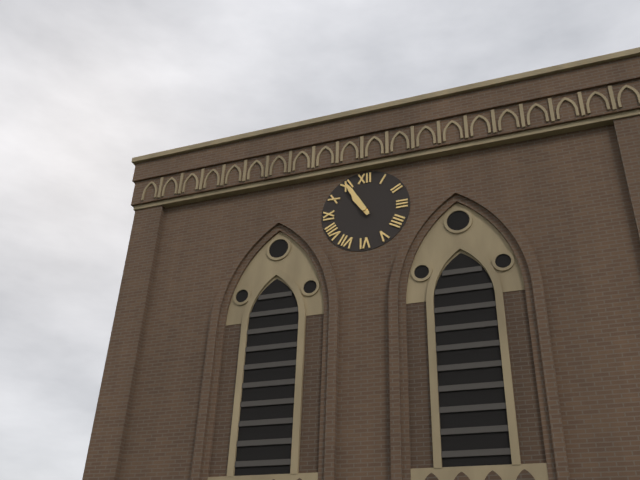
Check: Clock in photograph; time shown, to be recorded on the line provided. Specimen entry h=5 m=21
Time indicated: h=10 m=55
